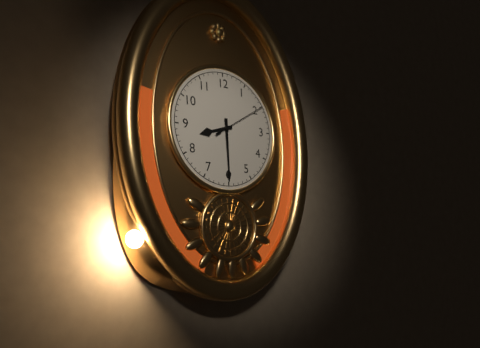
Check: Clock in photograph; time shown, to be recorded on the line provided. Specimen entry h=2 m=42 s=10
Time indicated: h=8 m=30 s=10
